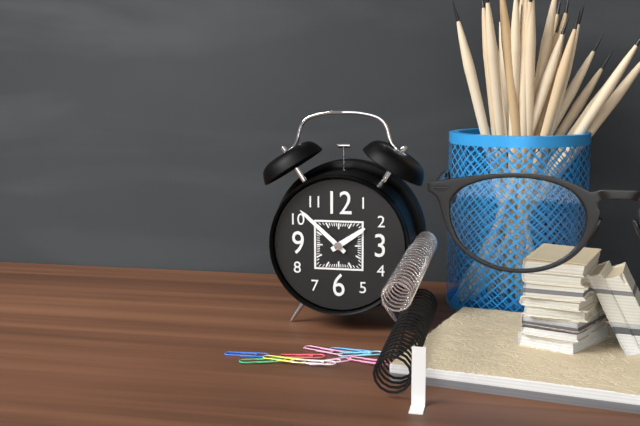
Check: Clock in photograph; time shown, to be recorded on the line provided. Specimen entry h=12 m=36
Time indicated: h=1 m=52
